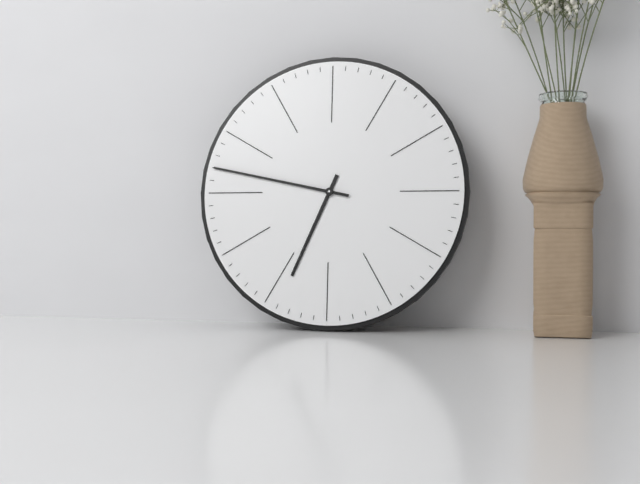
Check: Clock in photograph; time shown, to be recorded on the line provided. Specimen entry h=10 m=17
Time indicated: h=6 m=47
